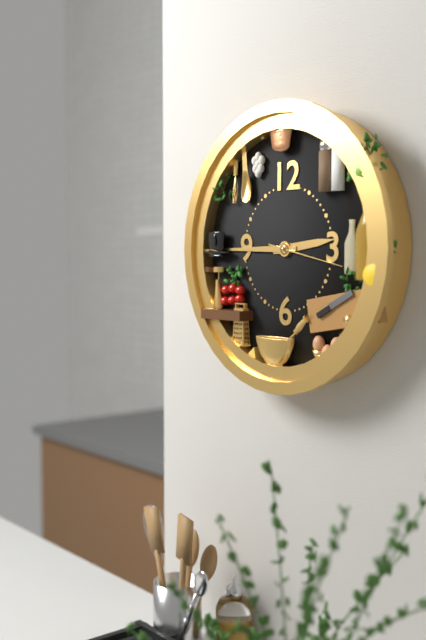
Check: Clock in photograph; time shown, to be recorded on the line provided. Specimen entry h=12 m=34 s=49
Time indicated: h=2 m=45 s=17
